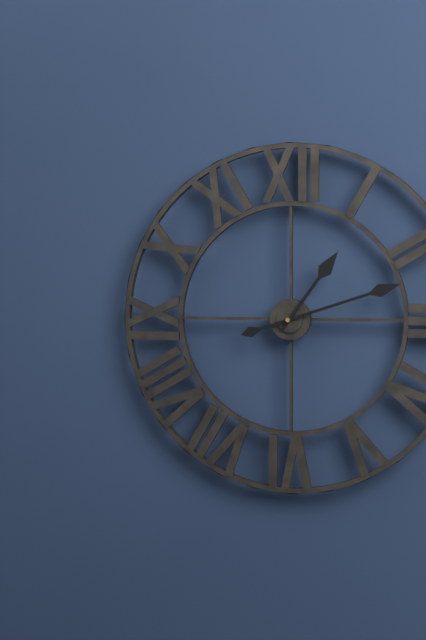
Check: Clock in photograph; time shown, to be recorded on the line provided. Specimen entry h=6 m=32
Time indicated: h=1 m=12
